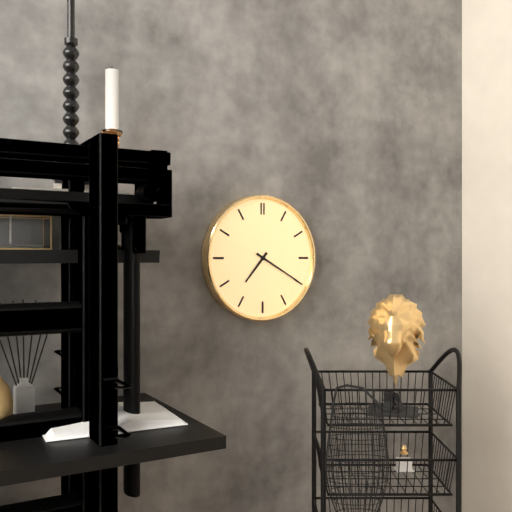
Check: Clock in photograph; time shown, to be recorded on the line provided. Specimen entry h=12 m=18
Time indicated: h=7 m=20
